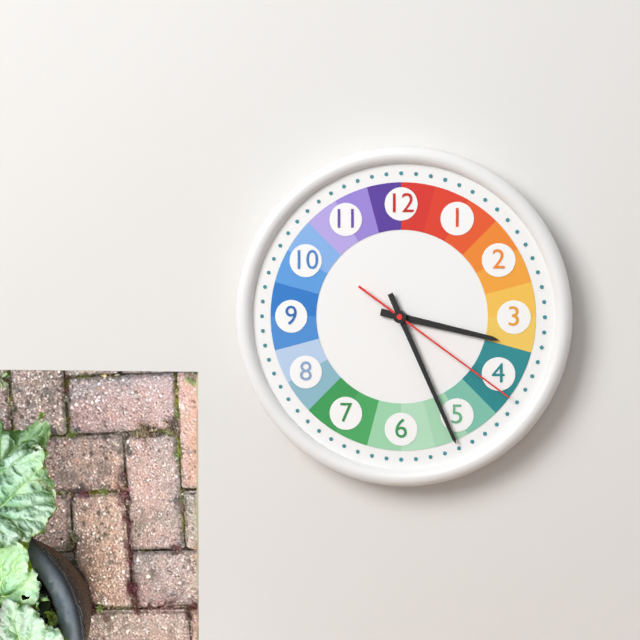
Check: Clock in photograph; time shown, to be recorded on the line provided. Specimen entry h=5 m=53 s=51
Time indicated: h=3 m=26 s=21
